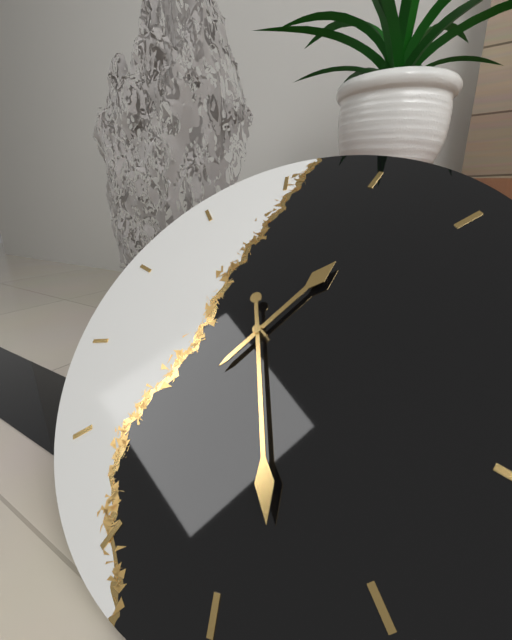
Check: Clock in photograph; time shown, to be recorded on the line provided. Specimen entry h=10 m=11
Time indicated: h=1 m=28
